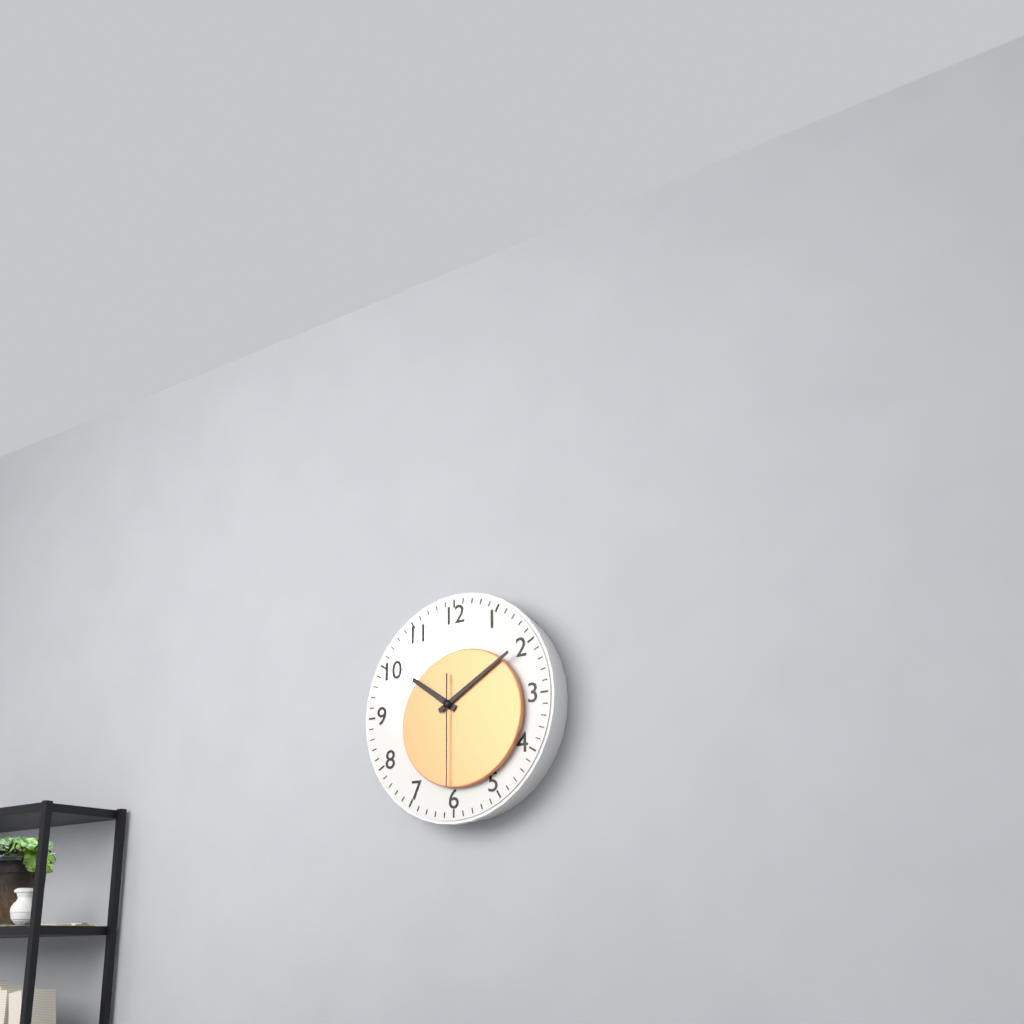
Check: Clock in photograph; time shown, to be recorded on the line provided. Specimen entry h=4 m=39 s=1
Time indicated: h=10 m=10 s=30
